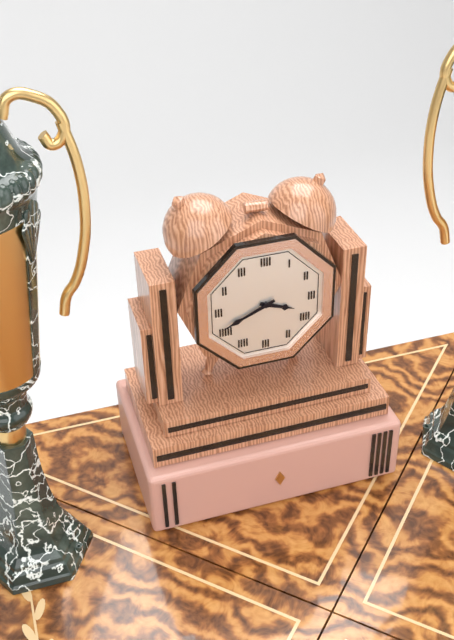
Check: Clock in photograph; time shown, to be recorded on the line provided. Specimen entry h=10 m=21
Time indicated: h=3 m=41
